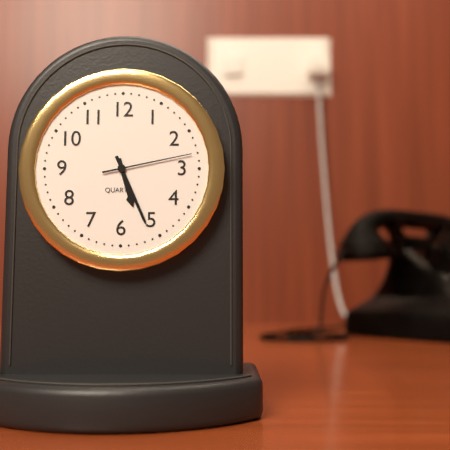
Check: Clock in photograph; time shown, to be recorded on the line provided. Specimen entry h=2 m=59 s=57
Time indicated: h=5 m=26 s=13
